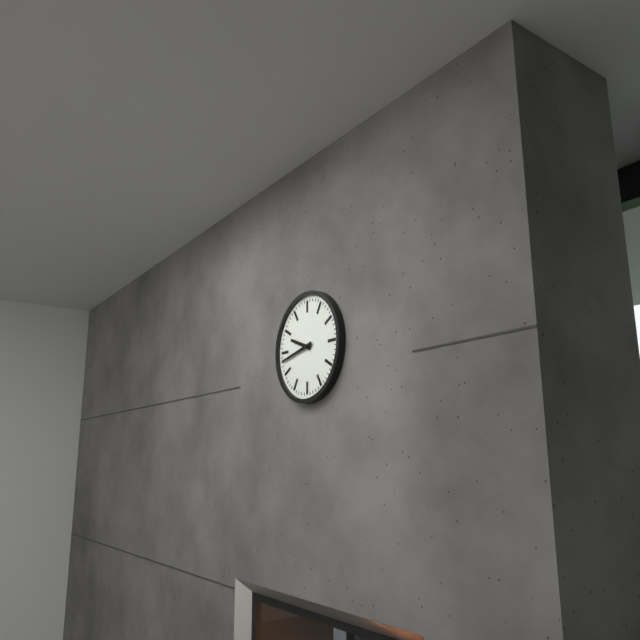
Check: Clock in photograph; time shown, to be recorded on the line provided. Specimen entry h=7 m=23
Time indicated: h=9 m=43
